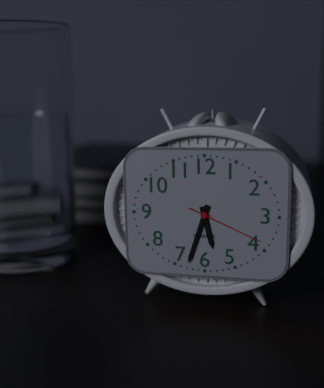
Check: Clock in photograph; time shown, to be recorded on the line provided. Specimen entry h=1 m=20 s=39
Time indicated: h=5 m=33 s=19
